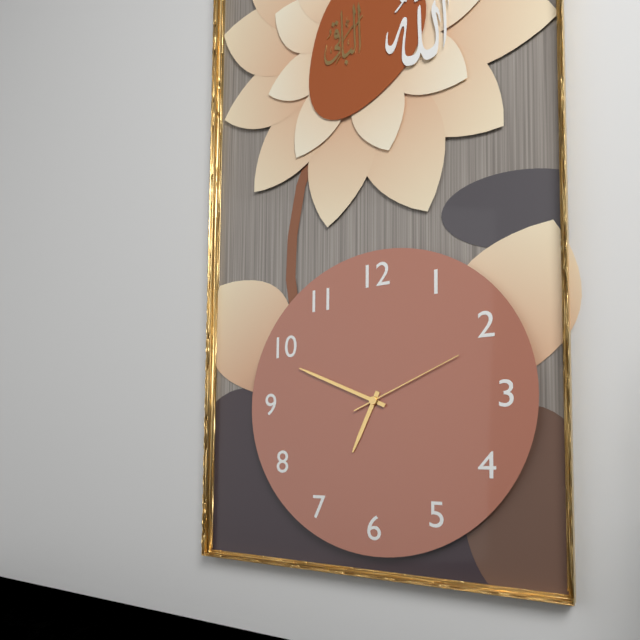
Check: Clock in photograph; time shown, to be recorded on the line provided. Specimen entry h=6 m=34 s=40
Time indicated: h=6 m=49 s=11
